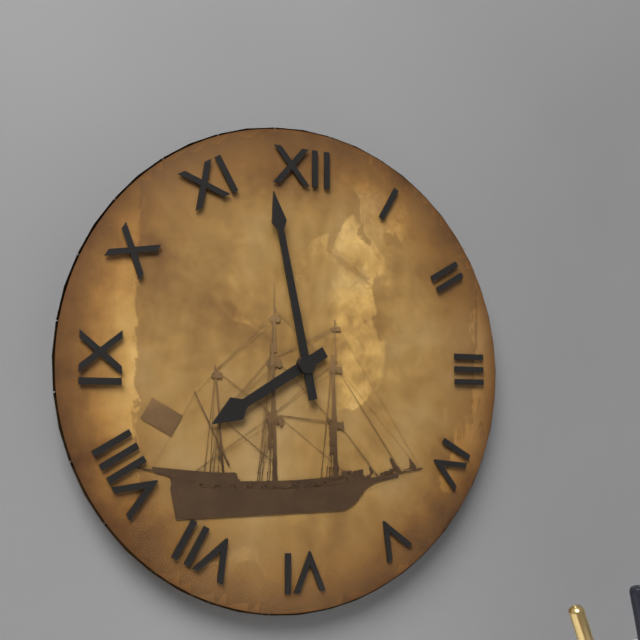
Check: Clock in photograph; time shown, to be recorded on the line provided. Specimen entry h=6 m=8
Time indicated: h=7 m=58
